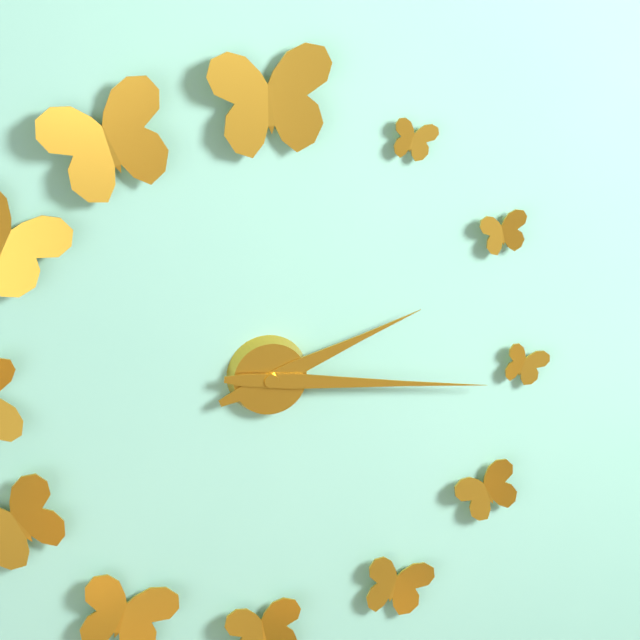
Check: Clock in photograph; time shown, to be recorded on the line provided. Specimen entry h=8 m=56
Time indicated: h=2 m=16
